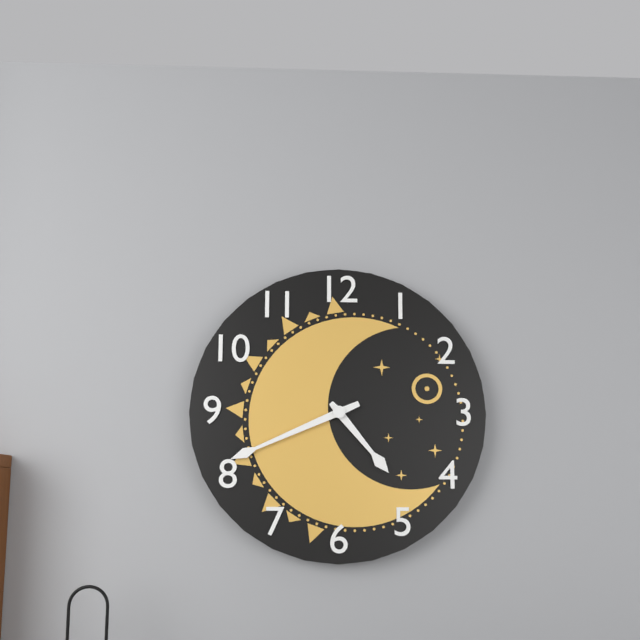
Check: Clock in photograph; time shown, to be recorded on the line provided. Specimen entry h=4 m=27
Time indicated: h=4 m=41
